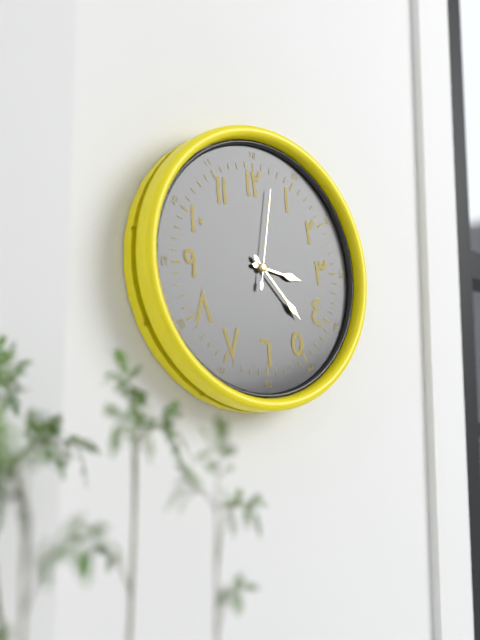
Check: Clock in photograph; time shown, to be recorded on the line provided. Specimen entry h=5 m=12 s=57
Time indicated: h=3 m=23 s=2
